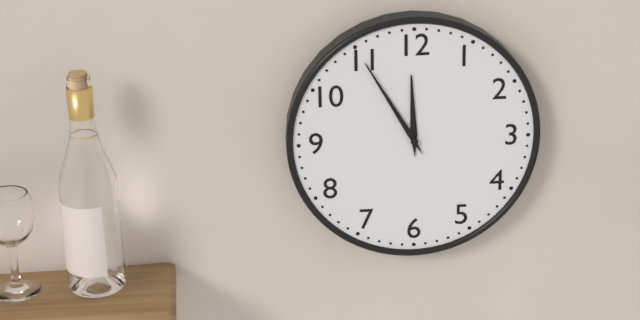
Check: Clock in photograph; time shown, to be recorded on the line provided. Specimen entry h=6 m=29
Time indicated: h=11 m=55
